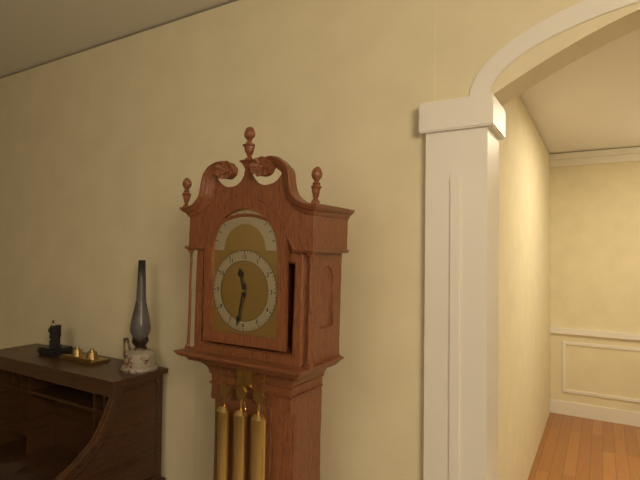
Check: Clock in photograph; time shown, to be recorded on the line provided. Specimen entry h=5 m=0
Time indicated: h=11 m=32
